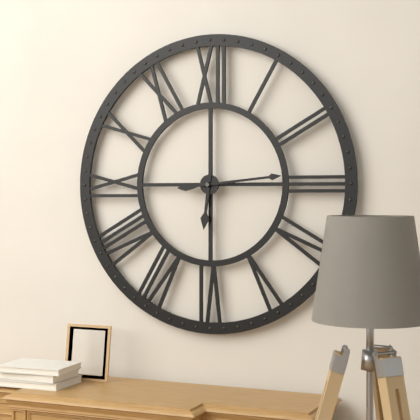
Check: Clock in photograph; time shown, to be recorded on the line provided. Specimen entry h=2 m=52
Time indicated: h=6 m=14
